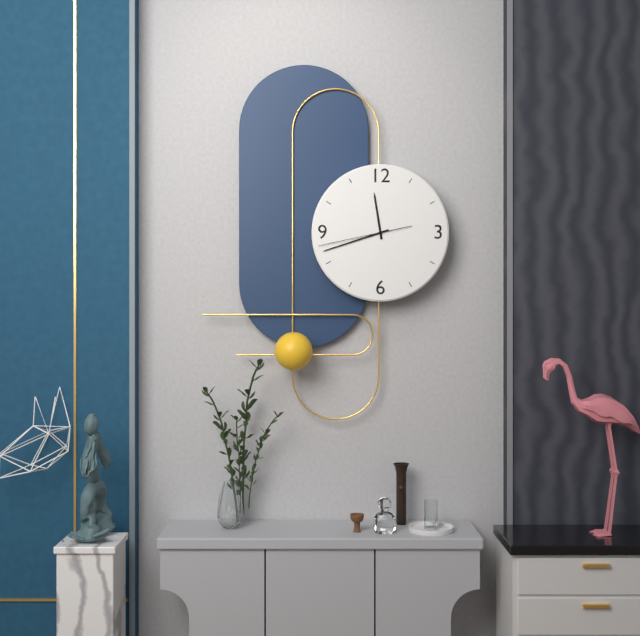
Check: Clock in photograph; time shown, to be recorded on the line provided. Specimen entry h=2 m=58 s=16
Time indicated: h=11 m=42 s=43
